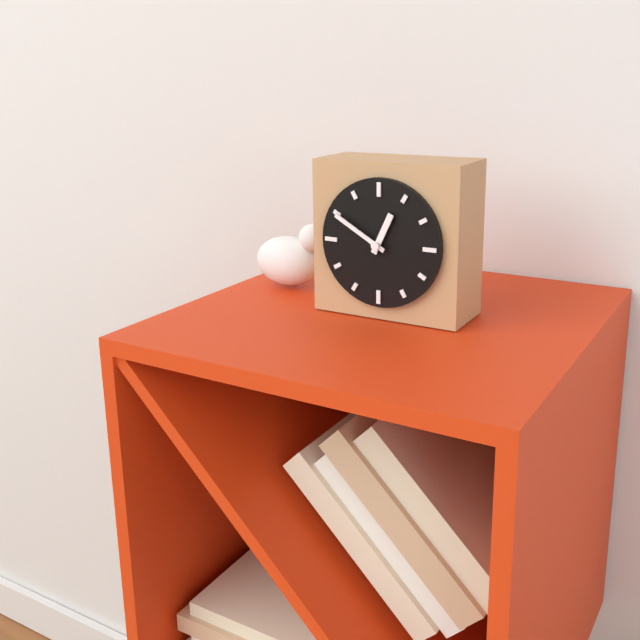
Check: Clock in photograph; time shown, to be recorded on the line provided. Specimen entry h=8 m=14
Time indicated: h=12 m=50
